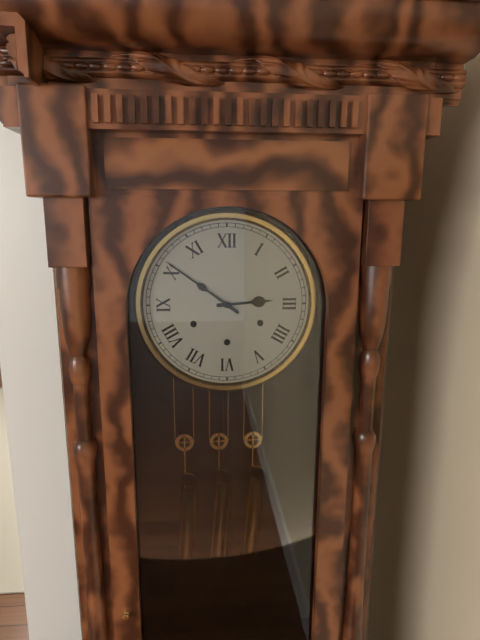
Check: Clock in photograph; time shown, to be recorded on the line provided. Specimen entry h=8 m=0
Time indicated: h=2 m=51
